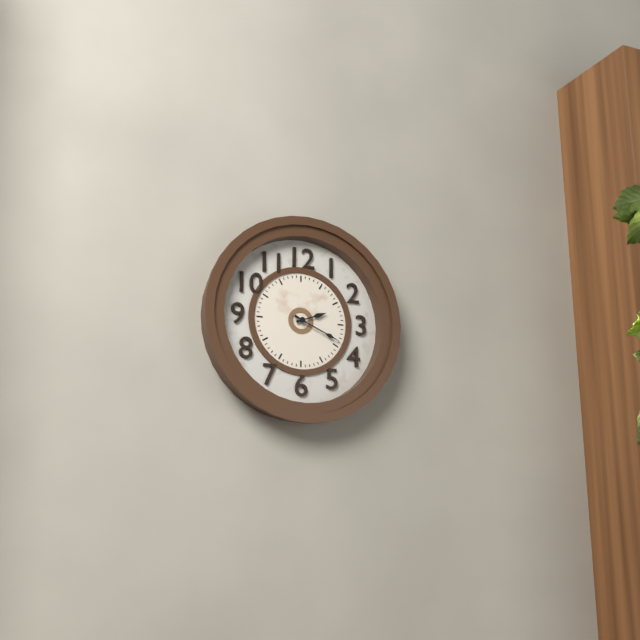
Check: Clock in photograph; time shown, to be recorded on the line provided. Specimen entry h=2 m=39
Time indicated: h=2 m=19
